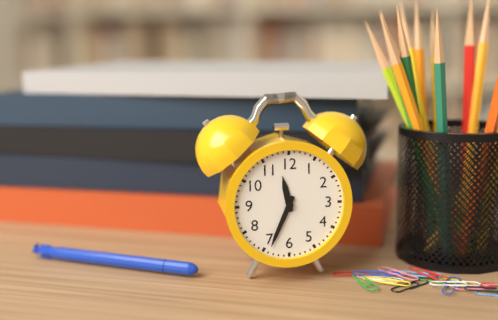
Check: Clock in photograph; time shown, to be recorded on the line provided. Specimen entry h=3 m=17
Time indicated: h=11 m=34
